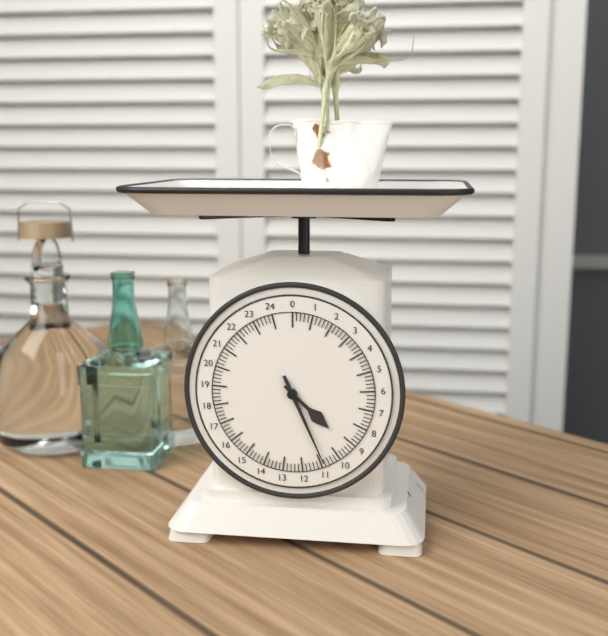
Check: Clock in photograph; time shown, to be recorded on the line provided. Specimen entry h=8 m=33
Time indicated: h=4 m=26
